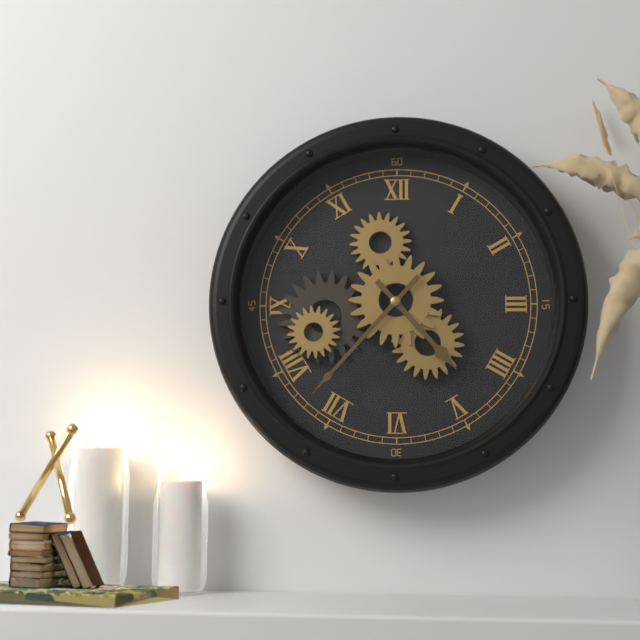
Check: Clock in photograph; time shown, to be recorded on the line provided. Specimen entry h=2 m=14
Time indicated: h=4 m=37
